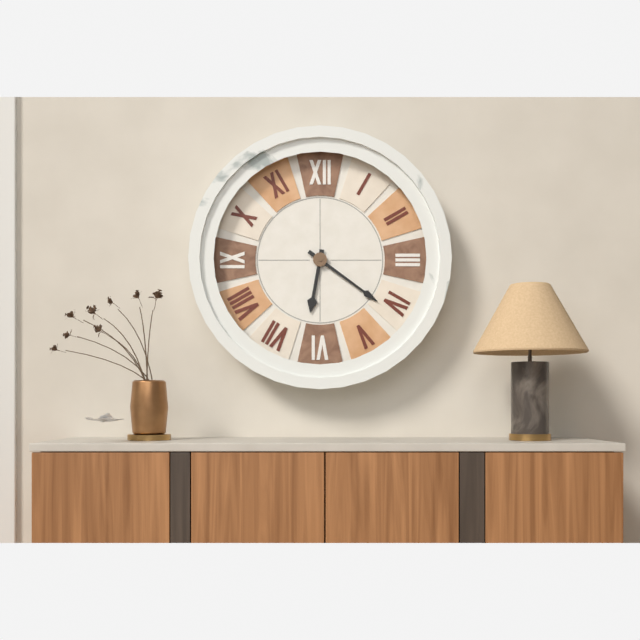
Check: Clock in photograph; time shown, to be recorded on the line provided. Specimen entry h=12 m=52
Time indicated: h=6 m=21
